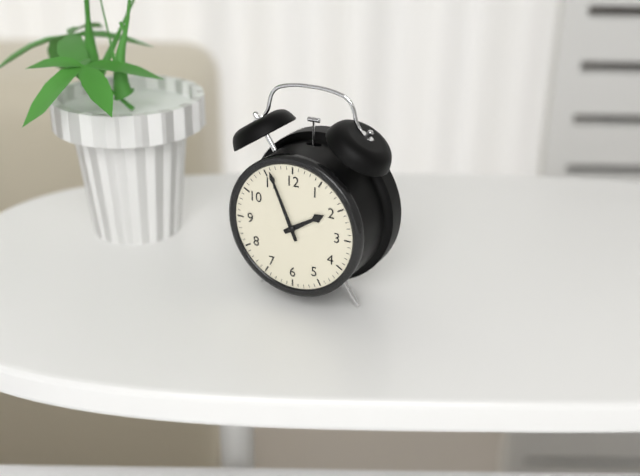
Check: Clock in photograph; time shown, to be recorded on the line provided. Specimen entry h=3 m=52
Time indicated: h=1 m=56
